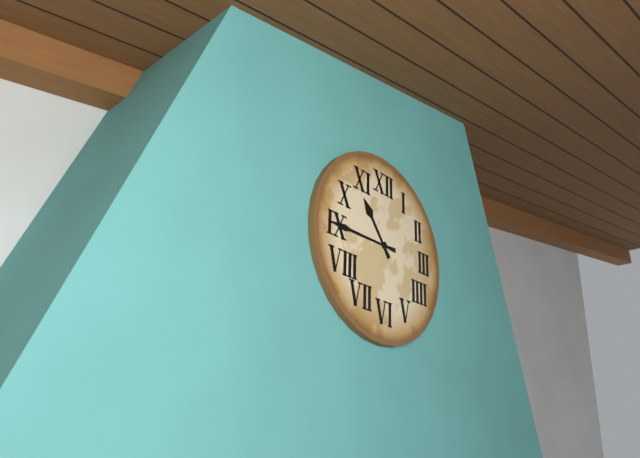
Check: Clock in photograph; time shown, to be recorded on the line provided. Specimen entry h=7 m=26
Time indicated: h=10 m=45
